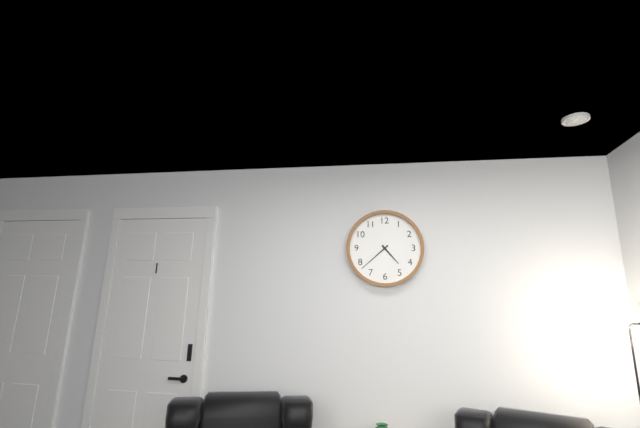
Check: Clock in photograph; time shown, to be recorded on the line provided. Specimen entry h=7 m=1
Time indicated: h=4 m=38
